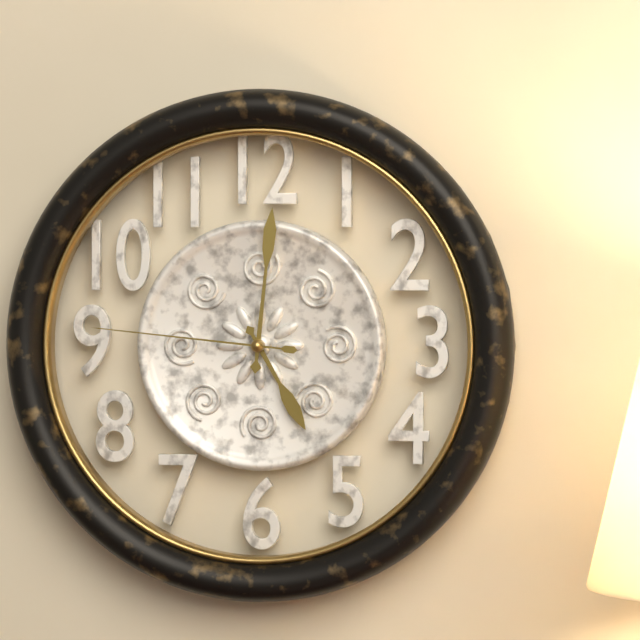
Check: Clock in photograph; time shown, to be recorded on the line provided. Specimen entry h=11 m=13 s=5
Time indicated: h=5 m=1 s=46
